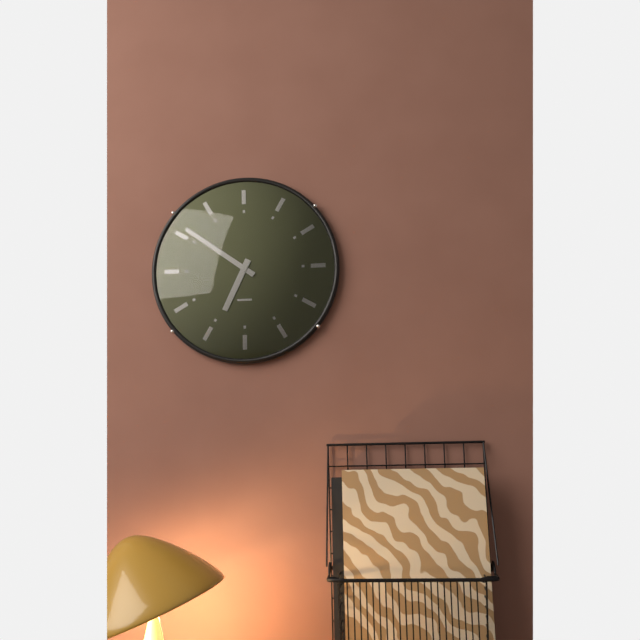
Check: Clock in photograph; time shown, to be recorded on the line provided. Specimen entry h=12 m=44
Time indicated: h=6 m=51
